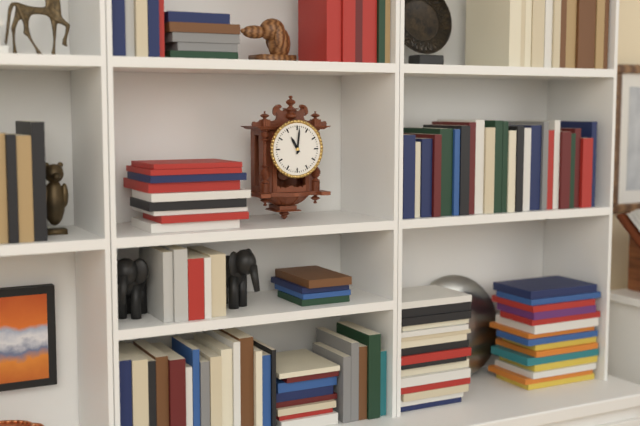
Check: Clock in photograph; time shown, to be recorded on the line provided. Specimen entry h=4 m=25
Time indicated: h=11 m=1
